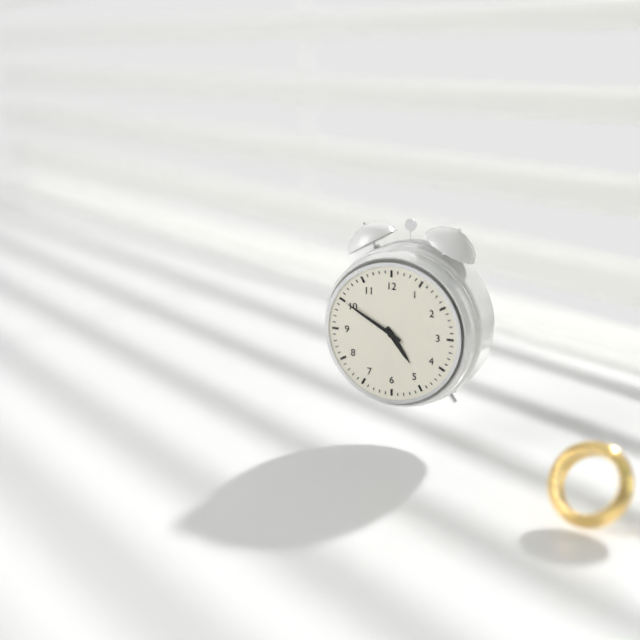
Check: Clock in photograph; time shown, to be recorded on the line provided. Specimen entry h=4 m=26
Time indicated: h=4 m=50
